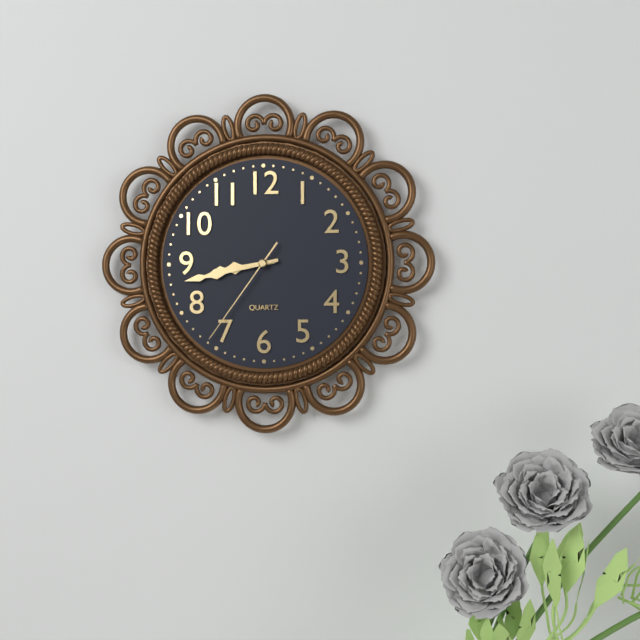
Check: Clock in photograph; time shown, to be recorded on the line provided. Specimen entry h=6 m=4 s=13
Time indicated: h=8 m=43 s=36
